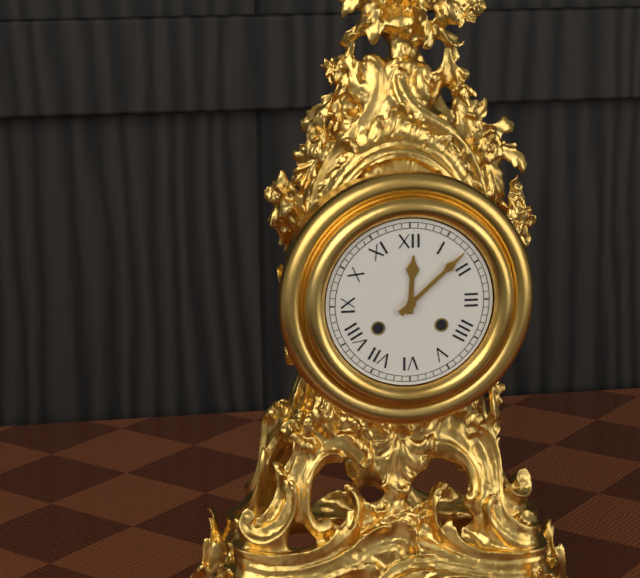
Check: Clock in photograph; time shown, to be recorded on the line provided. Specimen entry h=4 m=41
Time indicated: h=12 m=8
